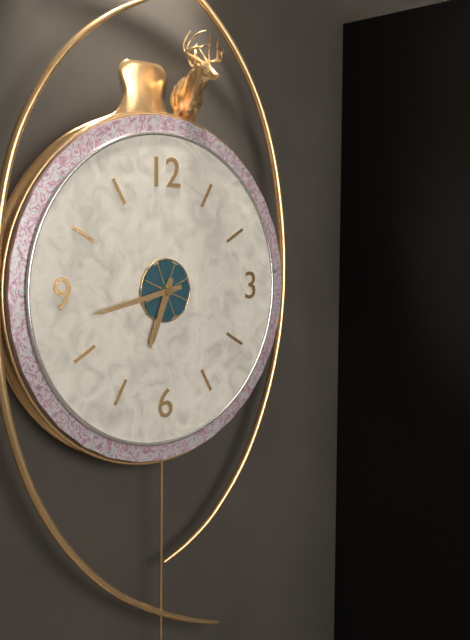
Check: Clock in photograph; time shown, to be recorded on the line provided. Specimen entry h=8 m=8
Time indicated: h=6 m=43
